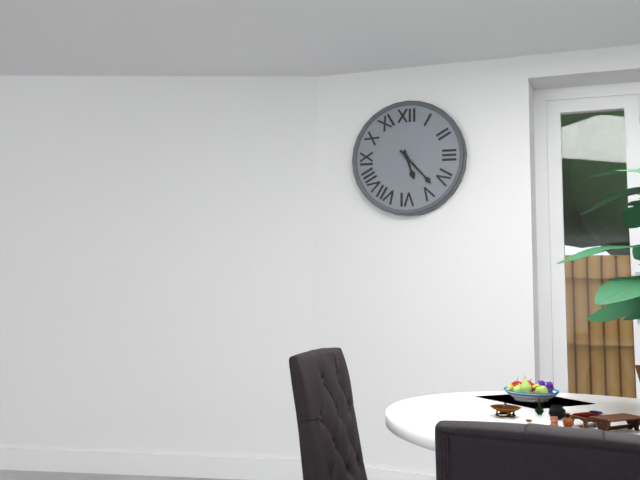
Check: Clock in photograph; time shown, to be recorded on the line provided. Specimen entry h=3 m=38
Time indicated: h=5 m=23
